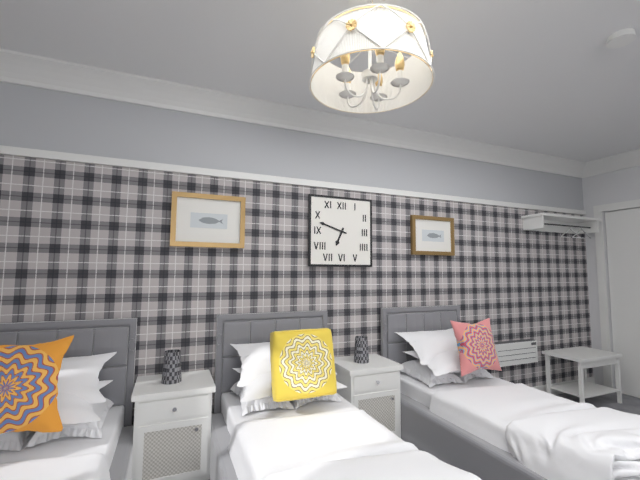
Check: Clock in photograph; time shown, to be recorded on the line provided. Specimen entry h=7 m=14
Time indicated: h=6 m=48
